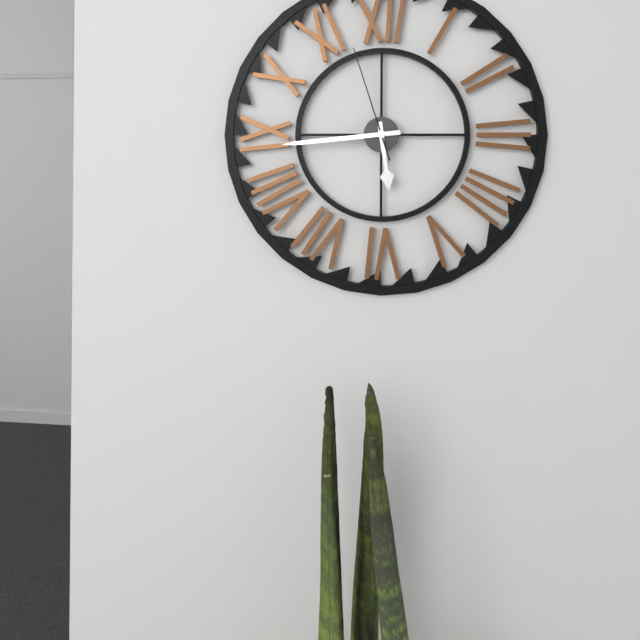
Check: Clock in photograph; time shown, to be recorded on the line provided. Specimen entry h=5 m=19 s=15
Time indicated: h=5 m=44 s=57
